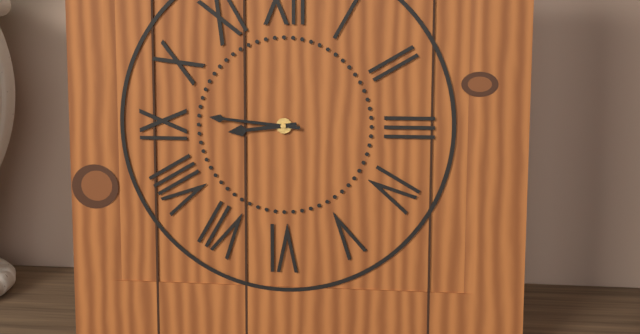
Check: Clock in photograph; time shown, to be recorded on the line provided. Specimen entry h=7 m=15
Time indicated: h=8 m=46
